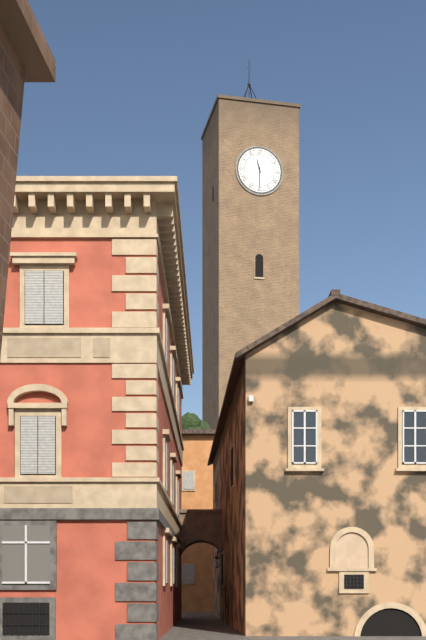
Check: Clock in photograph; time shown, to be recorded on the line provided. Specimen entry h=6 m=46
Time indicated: h=11 m=30
